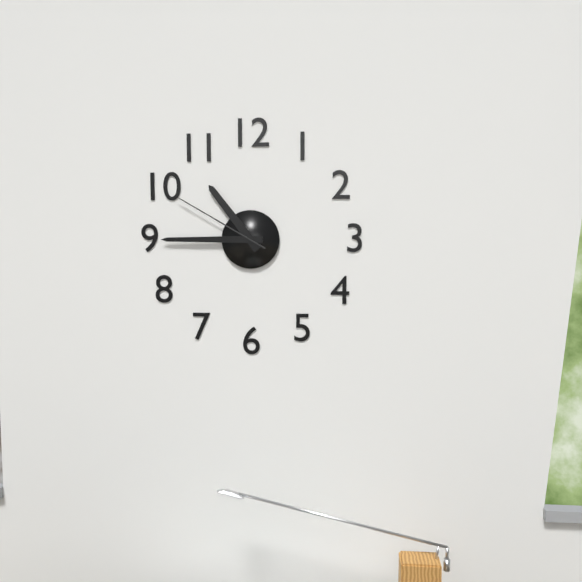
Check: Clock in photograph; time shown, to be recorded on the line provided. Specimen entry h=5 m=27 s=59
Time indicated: h=10 m=45 s=50
